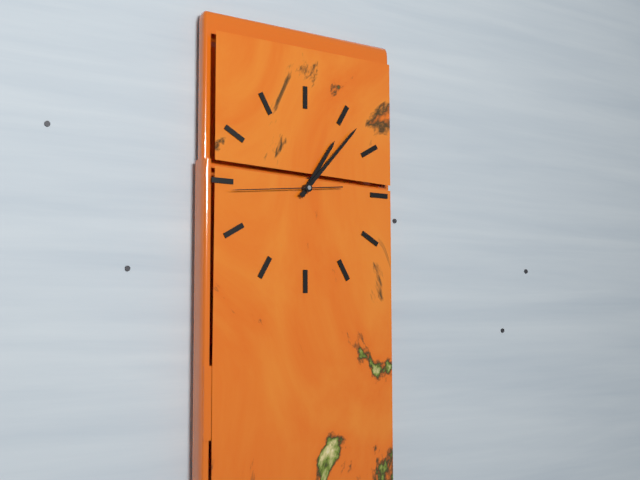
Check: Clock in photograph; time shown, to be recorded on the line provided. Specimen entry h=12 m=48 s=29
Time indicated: h=1 m=7 s=44
